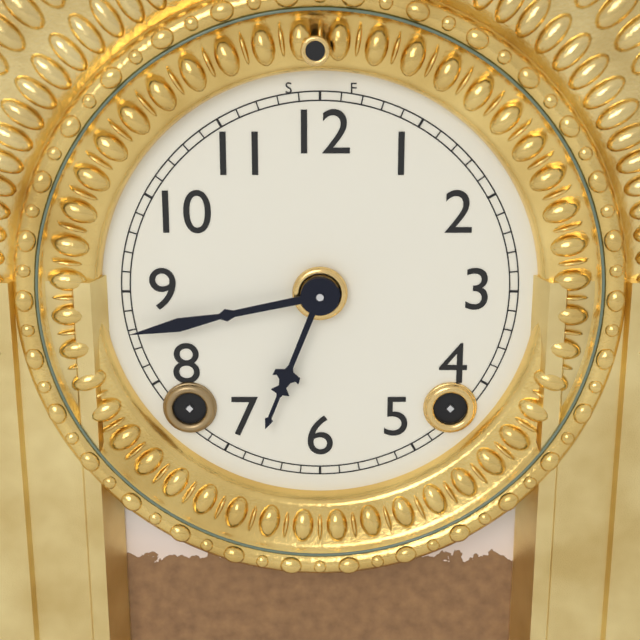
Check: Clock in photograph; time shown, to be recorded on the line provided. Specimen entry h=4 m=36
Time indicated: h=6 m=43
